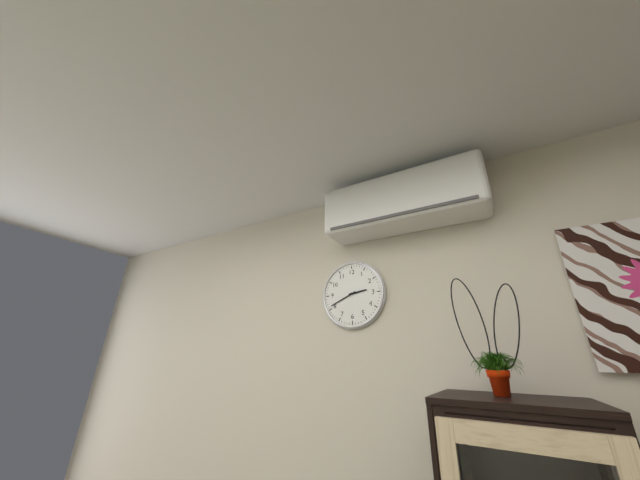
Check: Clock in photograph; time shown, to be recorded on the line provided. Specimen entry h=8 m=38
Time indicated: h=2 m=41
